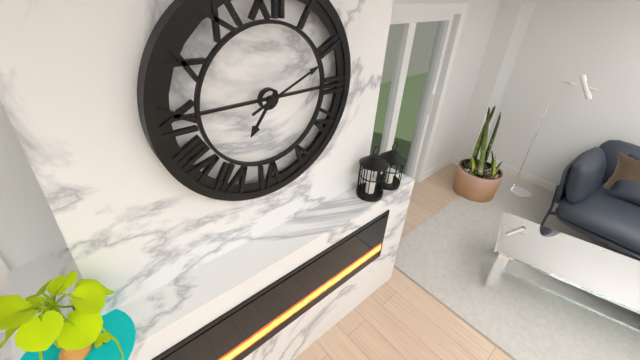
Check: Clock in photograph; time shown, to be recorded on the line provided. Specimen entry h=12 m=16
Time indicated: h=7 m=11
